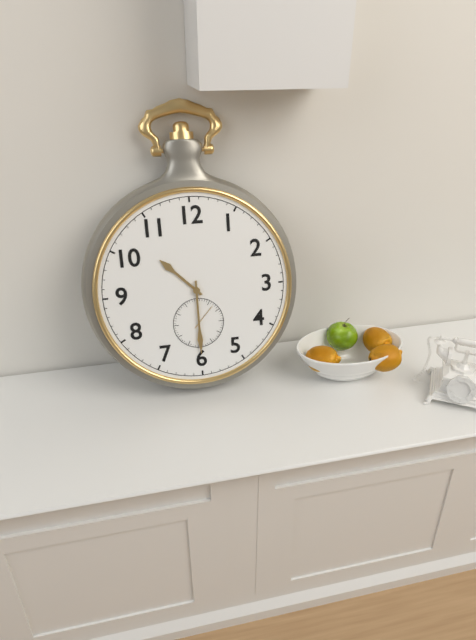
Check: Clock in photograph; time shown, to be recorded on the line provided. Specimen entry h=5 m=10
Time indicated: h=10 m=30
